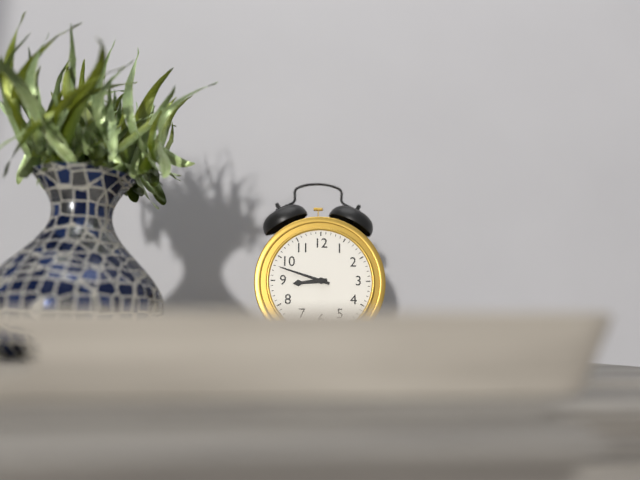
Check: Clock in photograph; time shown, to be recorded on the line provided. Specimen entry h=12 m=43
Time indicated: h=8 m=48
